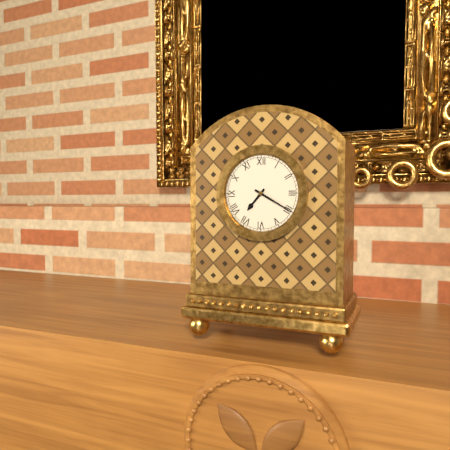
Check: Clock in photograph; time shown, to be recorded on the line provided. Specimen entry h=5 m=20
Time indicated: h=7 m=20
